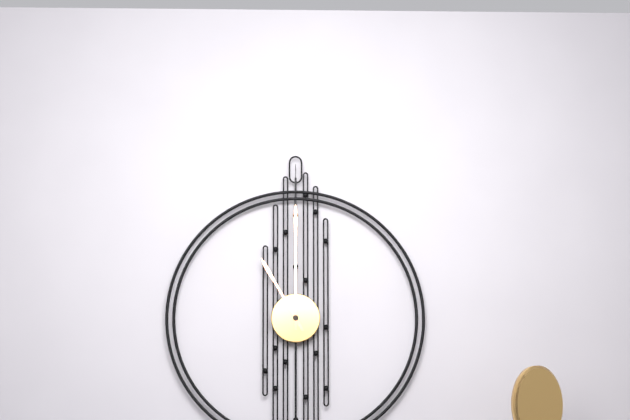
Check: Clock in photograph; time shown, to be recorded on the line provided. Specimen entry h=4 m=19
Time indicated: h=11 m=0
